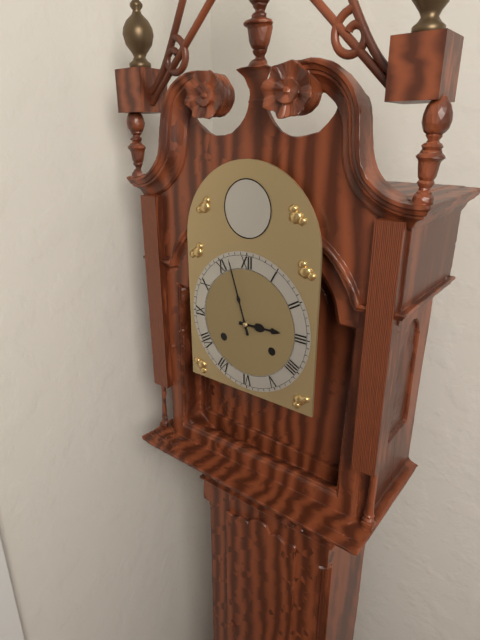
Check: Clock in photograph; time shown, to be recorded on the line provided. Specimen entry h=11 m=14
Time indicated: h=2 m=57
